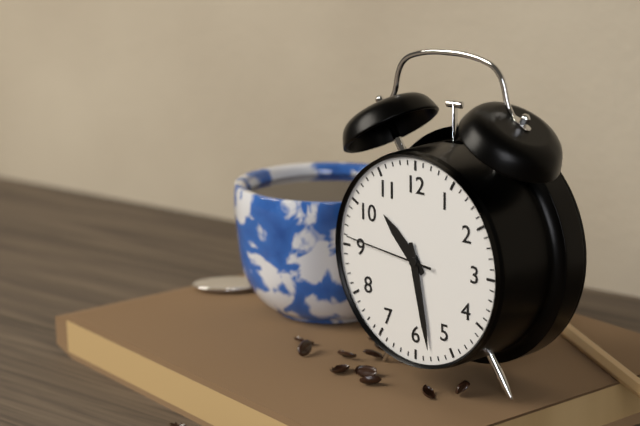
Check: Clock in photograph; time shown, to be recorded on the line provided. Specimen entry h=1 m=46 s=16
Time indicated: h=10 m=28 s=46
